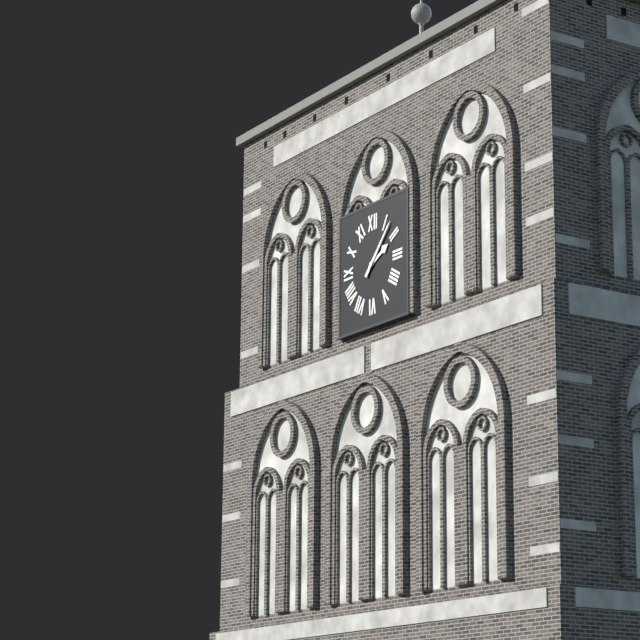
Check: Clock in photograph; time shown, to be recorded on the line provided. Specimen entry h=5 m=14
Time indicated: h=2 m=7
